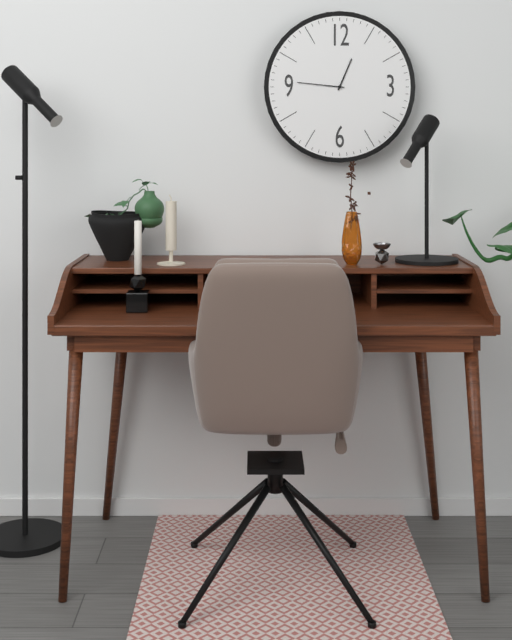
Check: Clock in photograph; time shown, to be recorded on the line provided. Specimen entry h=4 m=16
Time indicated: h=12 m=46
